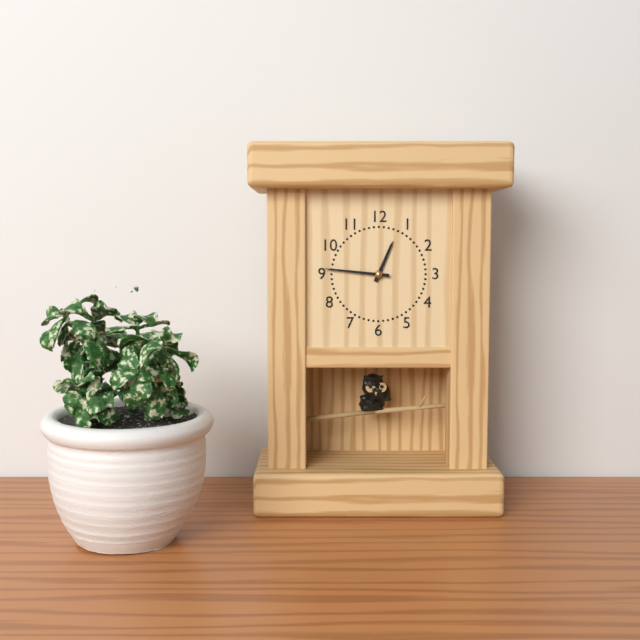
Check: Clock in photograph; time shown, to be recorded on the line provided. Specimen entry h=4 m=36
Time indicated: h=12 m=46
